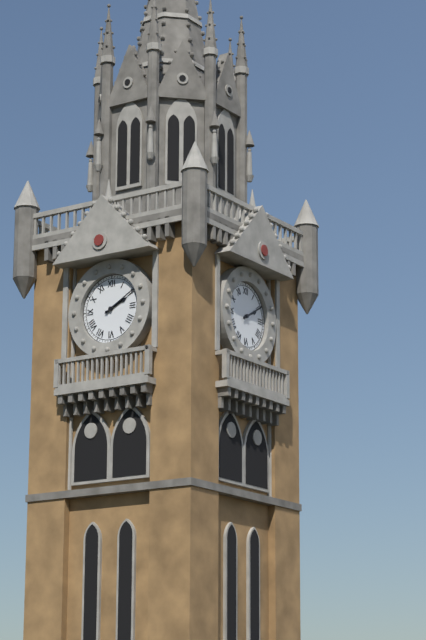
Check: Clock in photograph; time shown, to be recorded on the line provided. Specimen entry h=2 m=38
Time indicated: h=2 m=10
